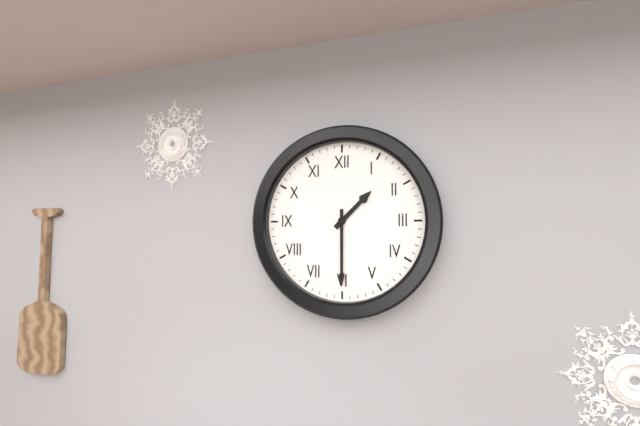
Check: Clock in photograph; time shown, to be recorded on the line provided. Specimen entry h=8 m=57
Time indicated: h=1 m=30
